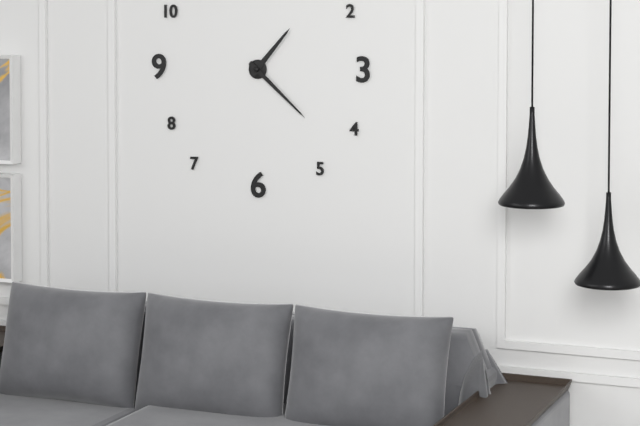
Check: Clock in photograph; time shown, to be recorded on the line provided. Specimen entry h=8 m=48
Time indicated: h=1 m=22
